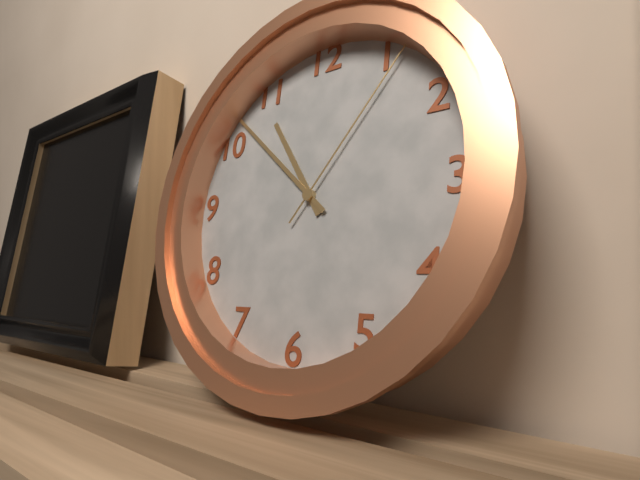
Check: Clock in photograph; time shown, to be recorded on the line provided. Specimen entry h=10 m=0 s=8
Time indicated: h=10 m=52 s=6
